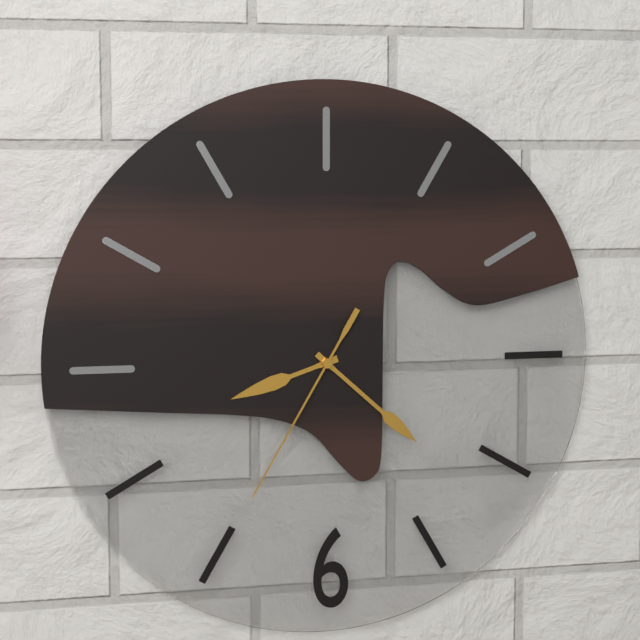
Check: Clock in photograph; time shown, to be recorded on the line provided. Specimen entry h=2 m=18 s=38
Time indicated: h=8 m=22 s=35
